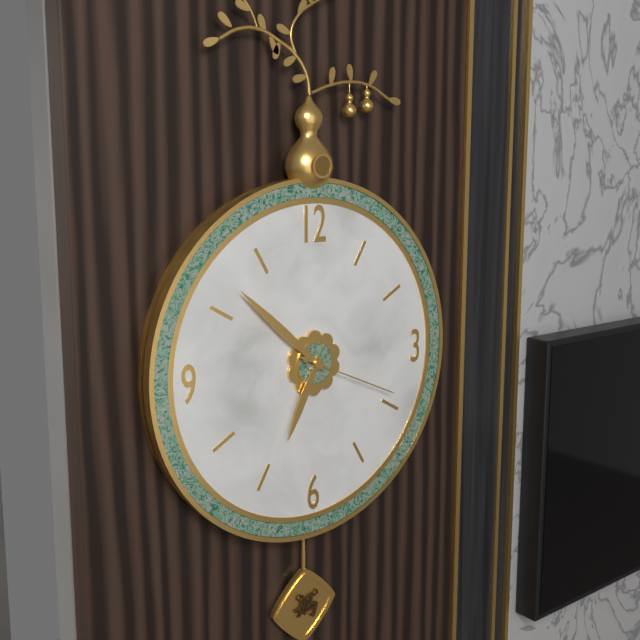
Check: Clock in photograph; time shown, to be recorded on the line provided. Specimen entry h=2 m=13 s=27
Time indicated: h=6 m=52 s=19
